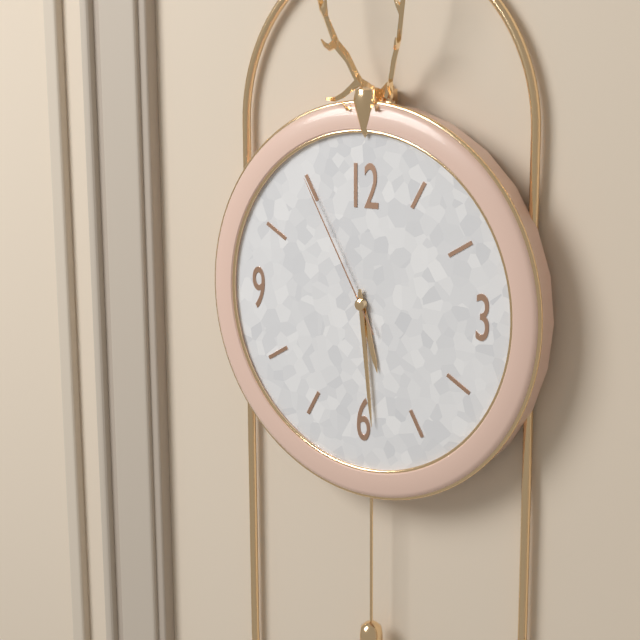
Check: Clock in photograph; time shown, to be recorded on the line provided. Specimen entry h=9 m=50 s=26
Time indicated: h=5 m=29 s=55
